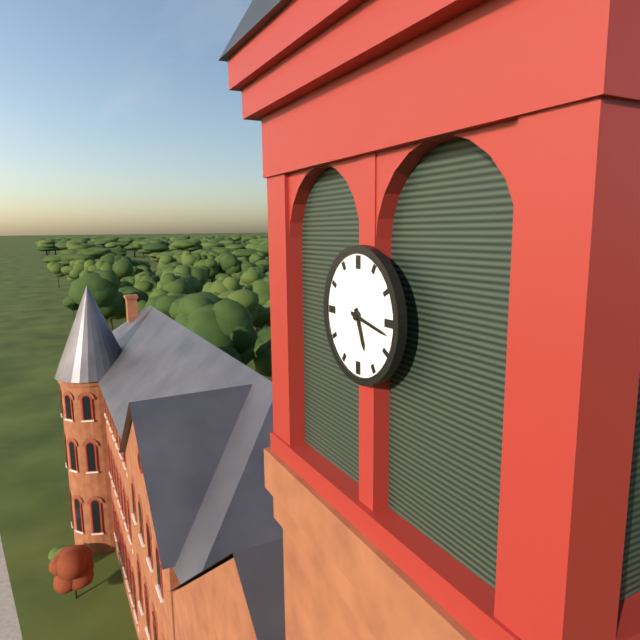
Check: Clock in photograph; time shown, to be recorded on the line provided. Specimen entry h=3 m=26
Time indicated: h=5 m=17
